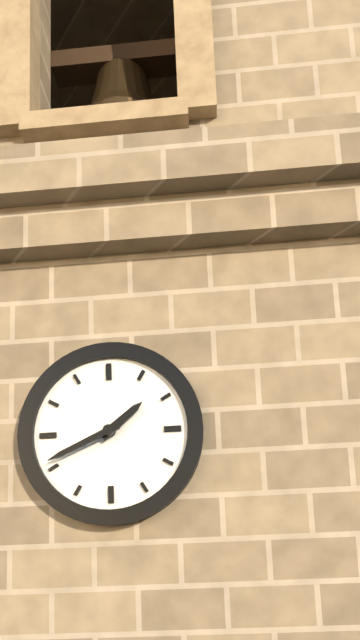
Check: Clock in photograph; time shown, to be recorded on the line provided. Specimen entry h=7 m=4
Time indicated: h=1 m=41
